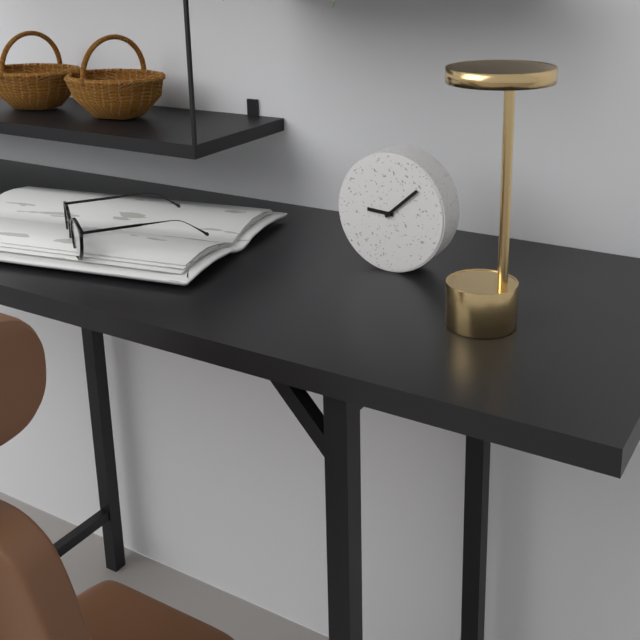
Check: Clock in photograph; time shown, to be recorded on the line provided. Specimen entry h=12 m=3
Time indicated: h=9 m=8
